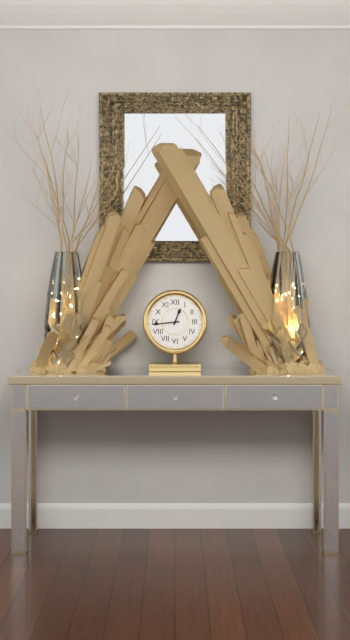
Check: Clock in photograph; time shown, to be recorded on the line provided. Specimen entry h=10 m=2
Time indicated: h=12 m=44
